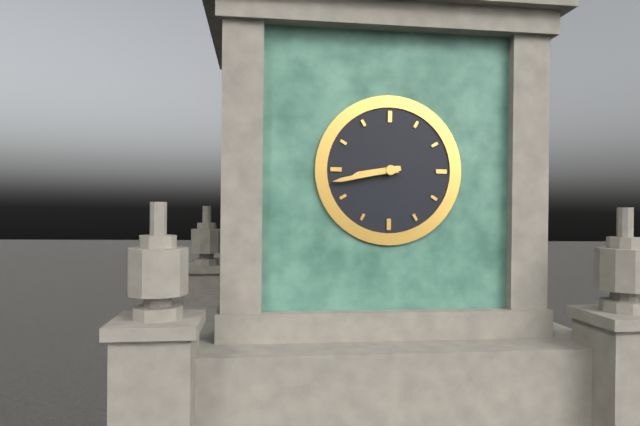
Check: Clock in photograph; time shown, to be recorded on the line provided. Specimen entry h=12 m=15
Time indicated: h=8 m=43
